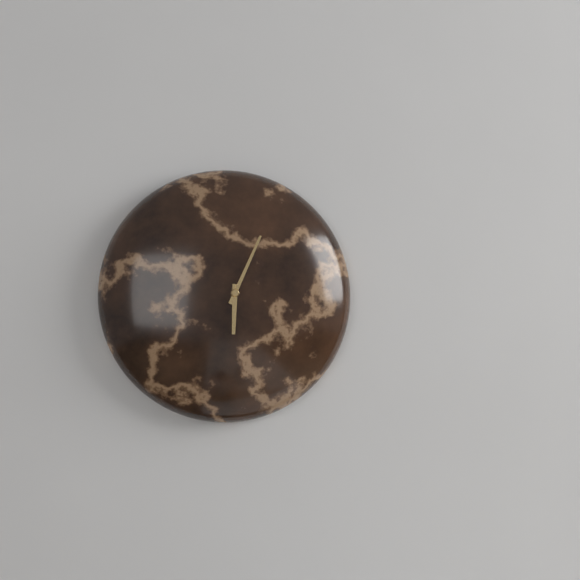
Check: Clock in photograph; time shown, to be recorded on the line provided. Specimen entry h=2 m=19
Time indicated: h=6 m=4
